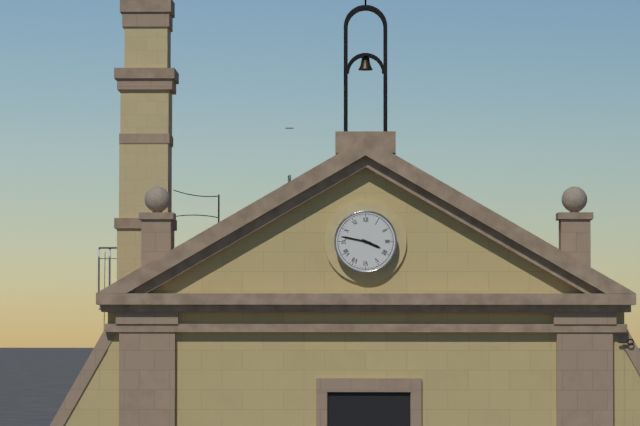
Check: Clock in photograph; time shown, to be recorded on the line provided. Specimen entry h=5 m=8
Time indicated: h=3 m=47
